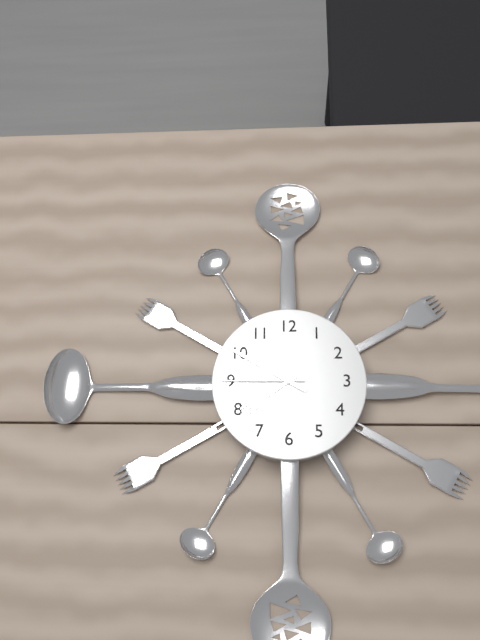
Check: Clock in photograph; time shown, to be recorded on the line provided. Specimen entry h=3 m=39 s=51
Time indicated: h=7 m=50 s=45
